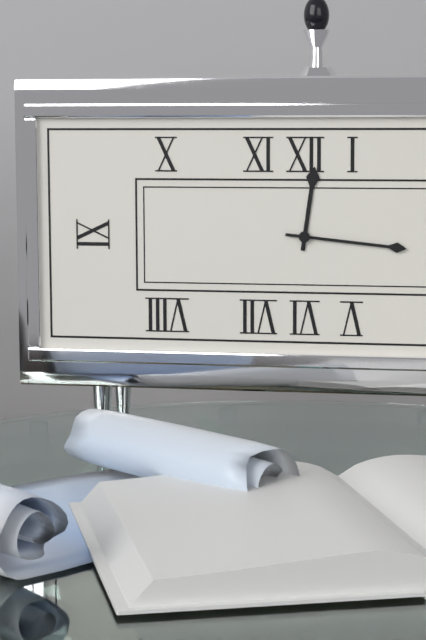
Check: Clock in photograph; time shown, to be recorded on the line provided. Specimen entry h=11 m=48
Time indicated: h=12 m=16
